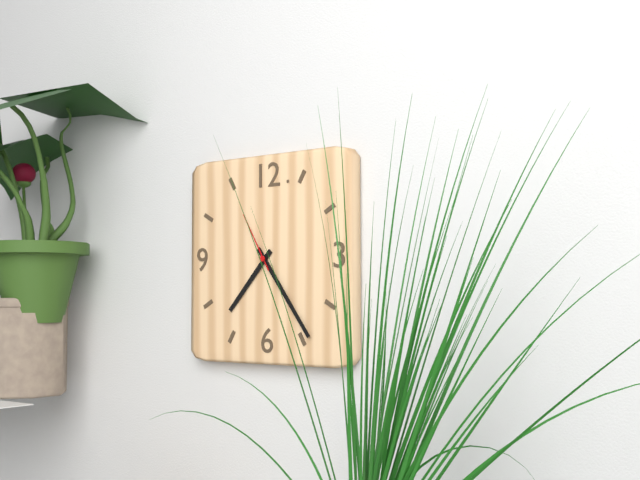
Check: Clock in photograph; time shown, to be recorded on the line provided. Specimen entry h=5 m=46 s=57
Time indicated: h=7 m=24 s=55
